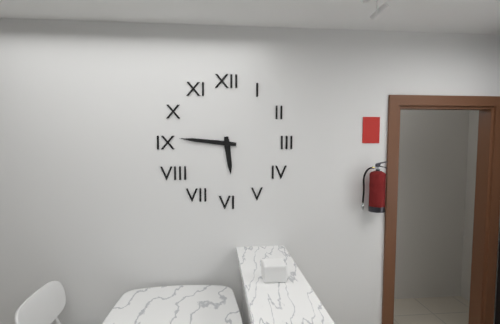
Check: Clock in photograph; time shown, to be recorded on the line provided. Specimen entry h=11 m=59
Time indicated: h=5 m=46
